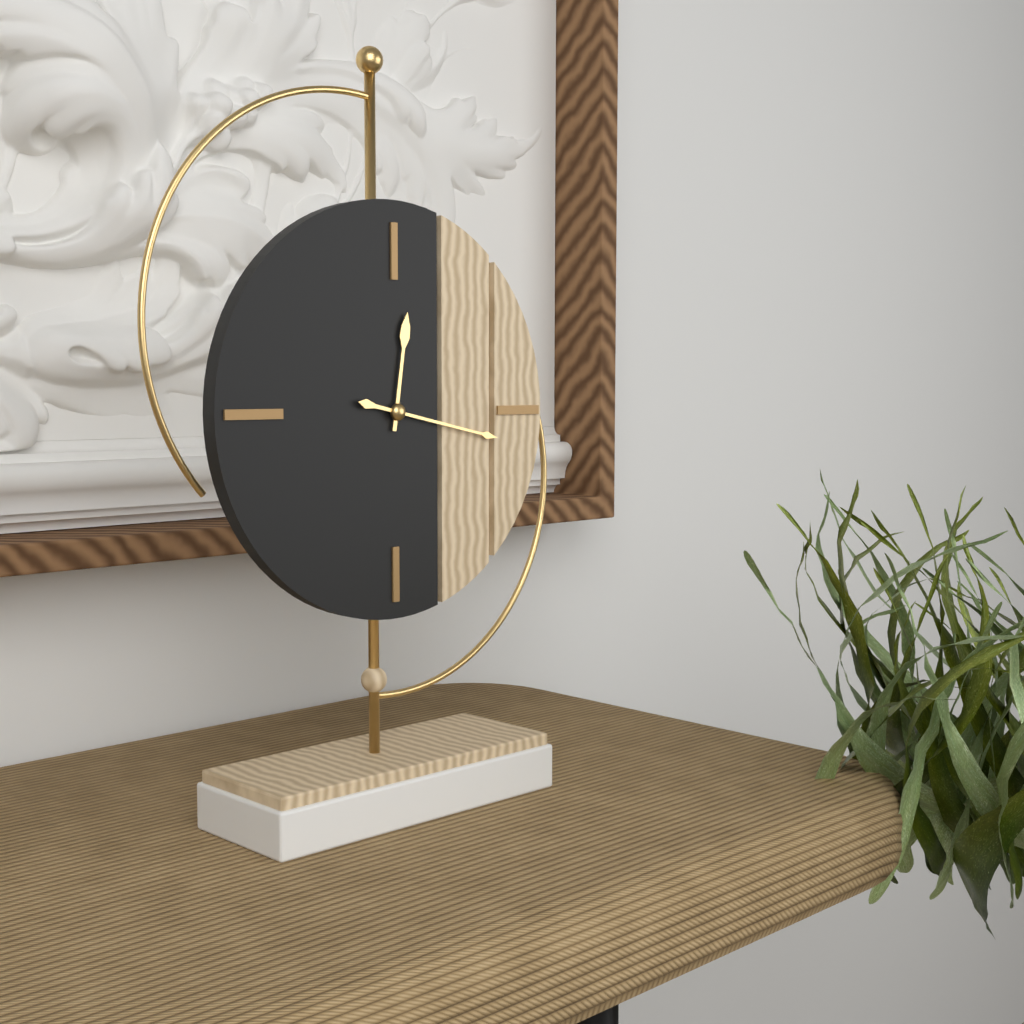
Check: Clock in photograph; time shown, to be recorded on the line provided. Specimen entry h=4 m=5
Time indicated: h=12 m=17
